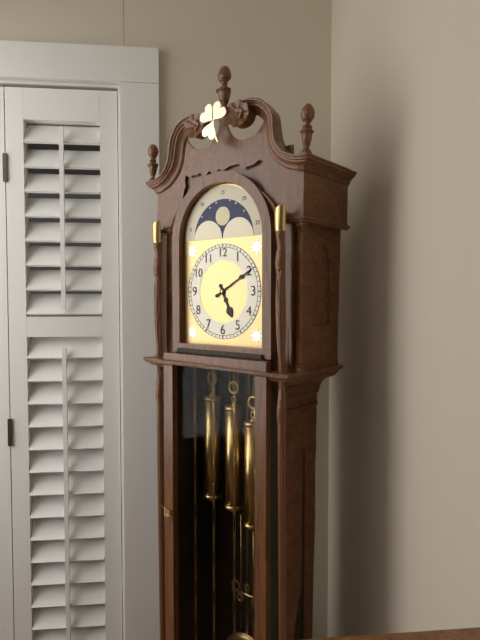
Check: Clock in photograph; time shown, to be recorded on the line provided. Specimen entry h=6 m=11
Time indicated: h=5 m=10
